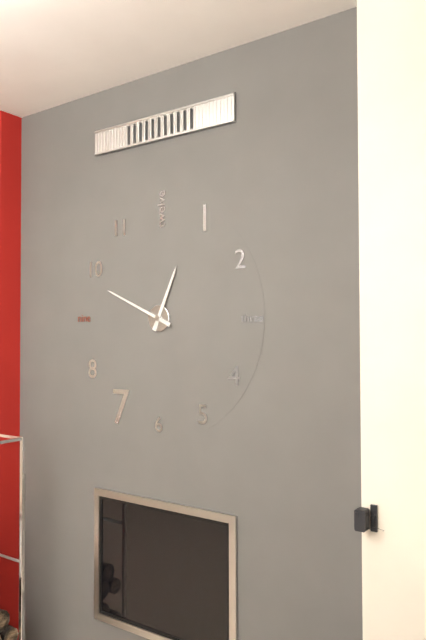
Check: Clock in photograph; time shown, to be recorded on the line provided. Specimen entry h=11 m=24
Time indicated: h=12 m=49
